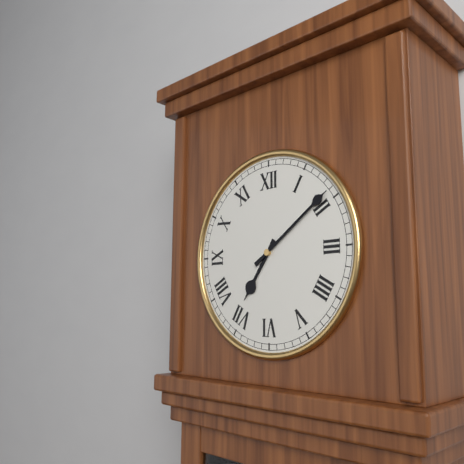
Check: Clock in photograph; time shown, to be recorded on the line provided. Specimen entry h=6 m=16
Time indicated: h=7 m=9
